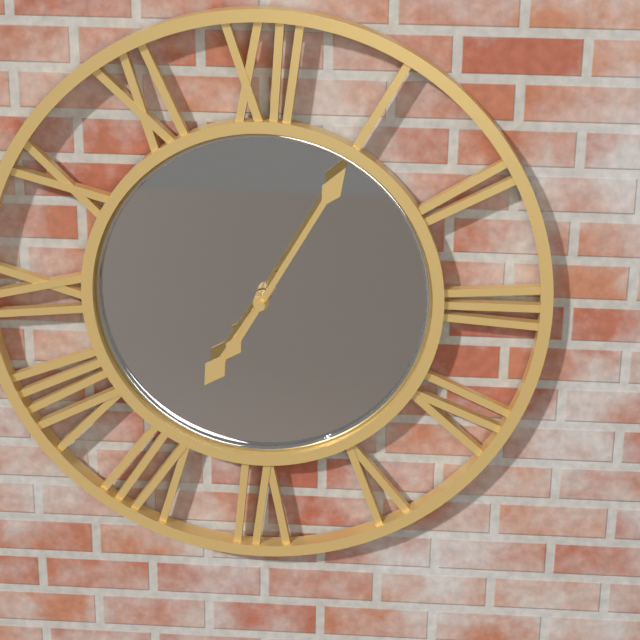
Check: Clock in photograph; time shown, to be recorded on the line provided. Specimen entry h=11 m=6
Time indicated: h=7 m=5
